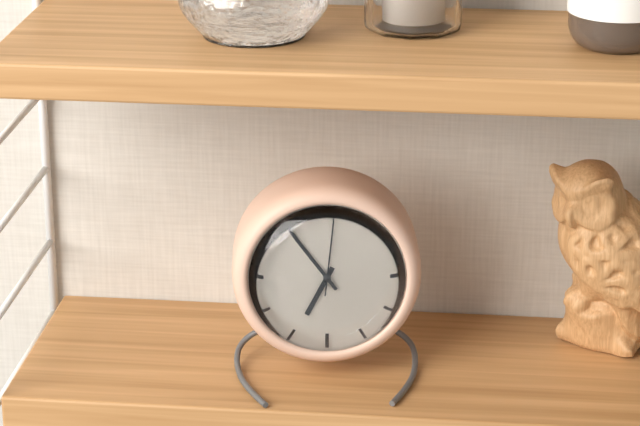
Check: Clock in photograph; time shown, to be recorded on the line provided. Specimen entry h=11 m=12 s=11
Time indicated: h=6 m=54 s=1
